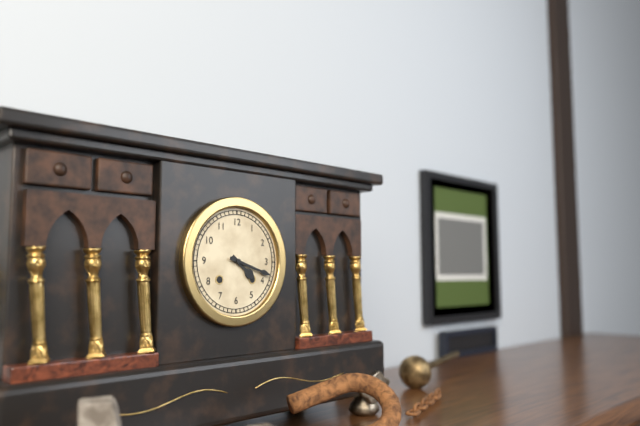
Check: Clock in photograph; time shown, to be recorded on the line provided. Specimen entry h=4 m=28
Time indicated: h=4 m=18
